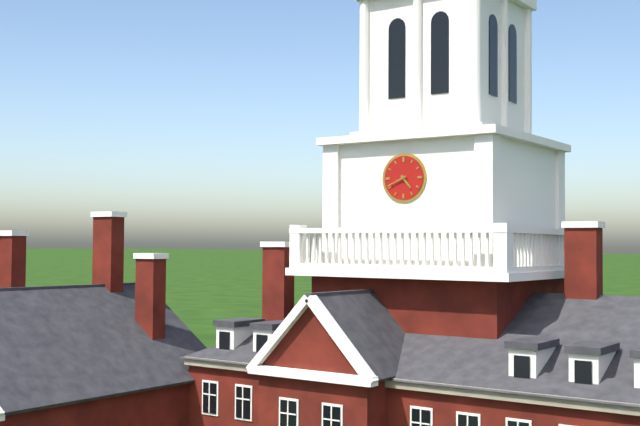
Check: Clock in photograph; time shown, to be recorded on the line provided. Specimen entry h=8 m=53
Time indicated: h=4 m=41
